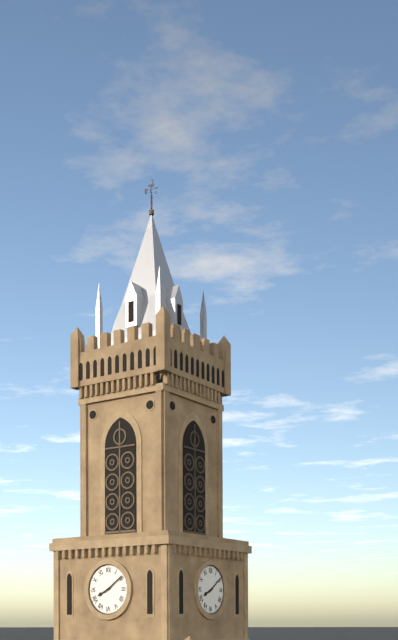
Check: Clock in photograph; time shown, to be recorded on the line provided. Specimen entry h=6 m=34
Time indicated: h=8 m=9
